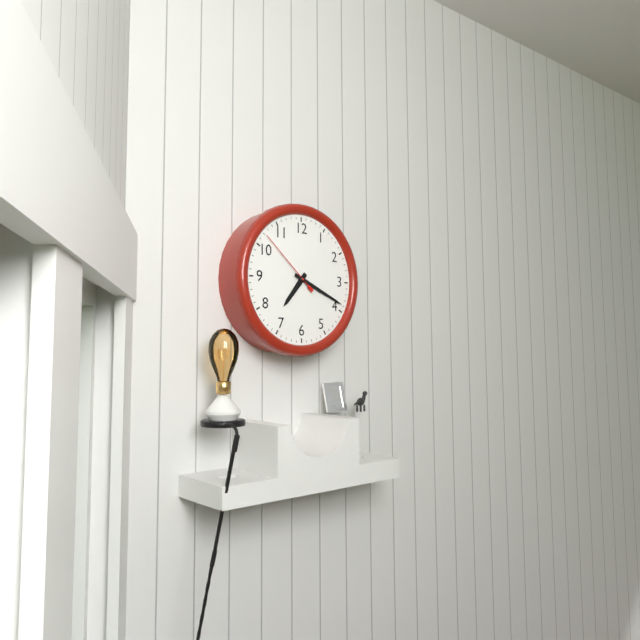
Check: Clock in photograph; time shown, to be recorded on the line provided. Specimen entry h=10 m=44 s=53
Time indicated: h=7 m=19 s=52
